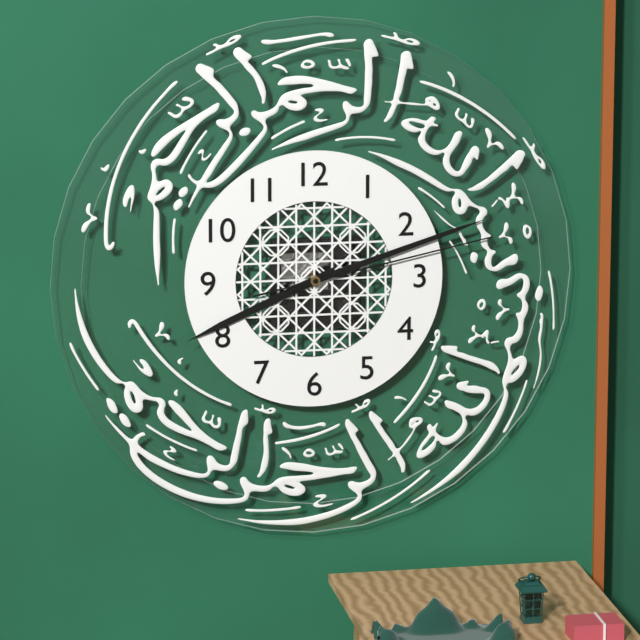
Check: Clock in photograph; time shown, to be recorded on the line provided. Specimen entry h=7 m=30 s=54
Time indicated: h=8 m=12 s=13
